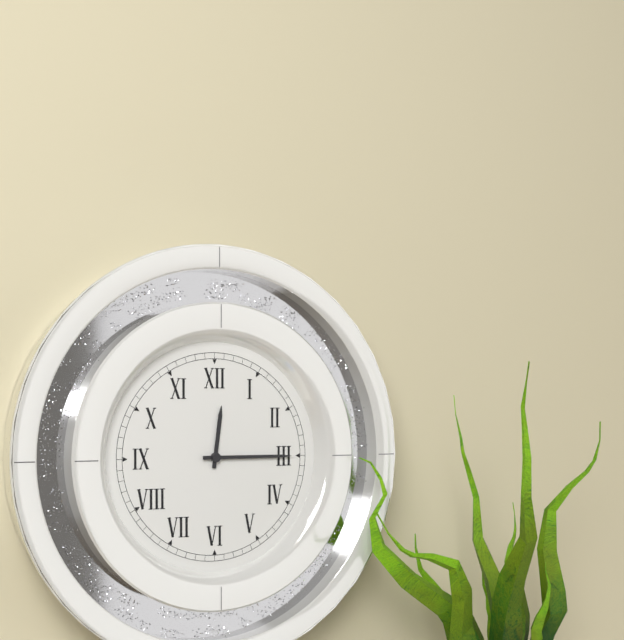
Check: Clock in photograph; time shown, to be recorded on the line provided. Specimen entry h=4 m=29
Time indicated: h=12 m=15
